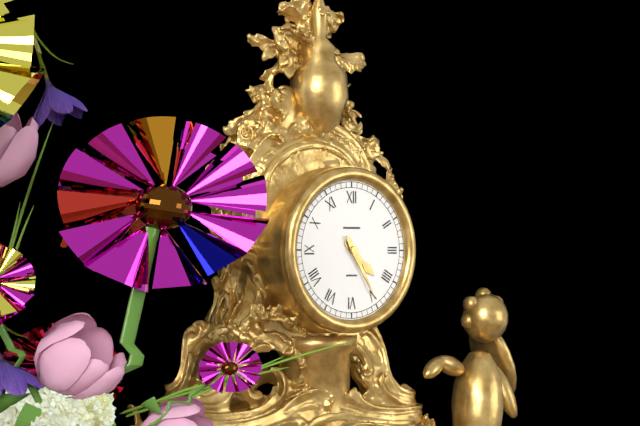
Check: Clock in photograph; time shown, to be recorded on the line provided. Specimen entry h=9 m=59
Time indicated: h=4 m=25
